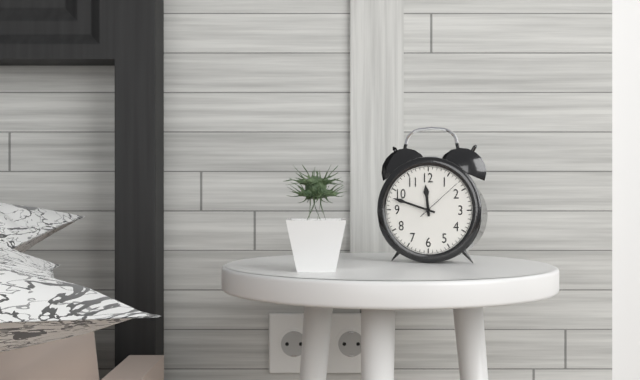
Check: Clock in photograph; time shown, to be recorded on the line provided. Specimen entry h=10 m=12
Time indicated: h=11 m=48
